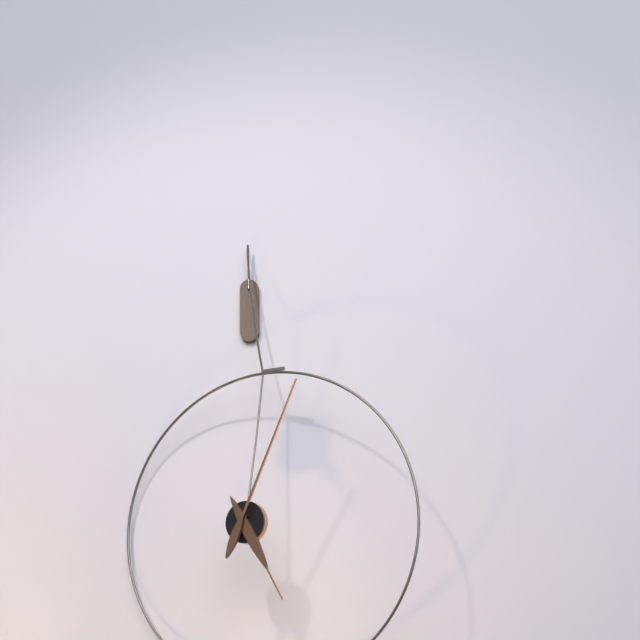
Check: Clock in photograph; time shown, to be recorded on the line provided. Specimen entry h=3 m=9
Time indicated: h=5 m=4
